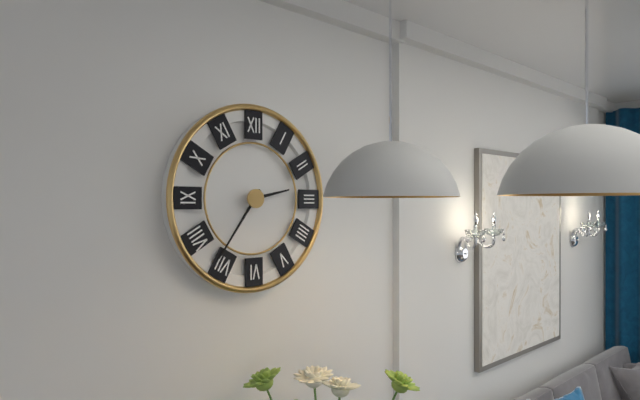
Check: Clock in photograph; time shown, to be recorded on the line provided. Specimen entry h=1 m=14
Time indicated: h=2 m=36
